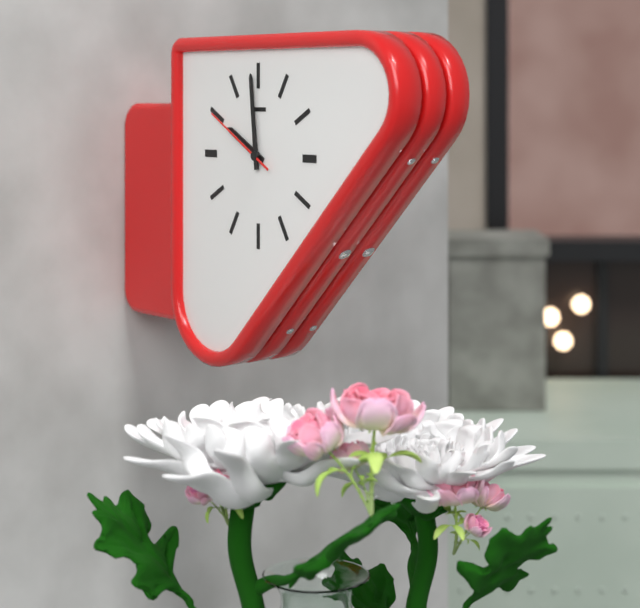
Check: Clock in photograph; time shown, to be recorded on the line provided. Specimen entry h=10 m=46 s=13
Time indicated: h=9 m=59 s=50
